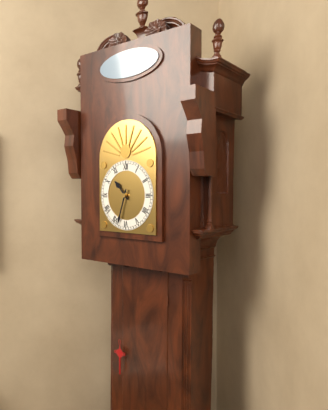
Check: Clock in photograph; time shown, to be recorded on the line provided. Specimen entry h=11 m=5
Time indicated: h=10 m=33
